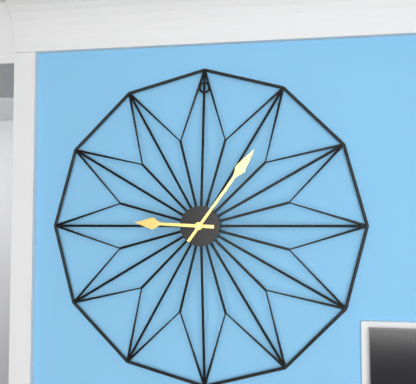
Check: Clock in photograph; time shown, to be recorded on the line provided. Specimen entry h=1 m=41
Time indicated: h=9 m=6
